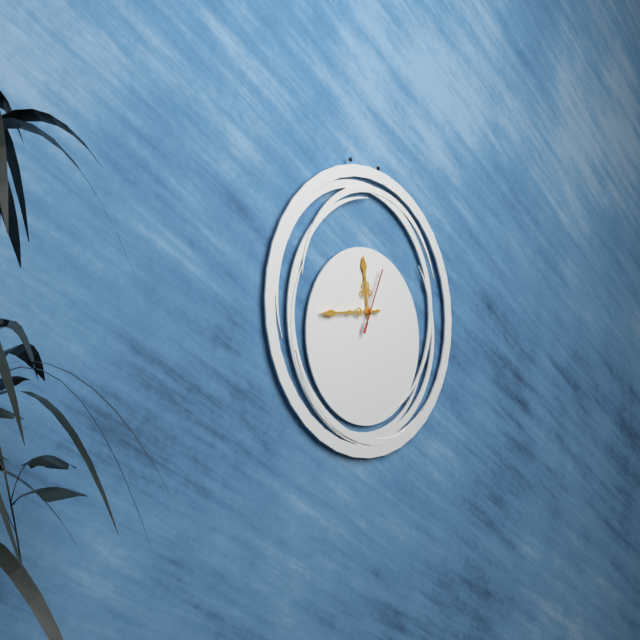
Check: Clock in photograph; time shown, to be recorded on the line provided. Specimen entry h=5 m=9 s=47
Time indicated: h=11 m=44 s=4
